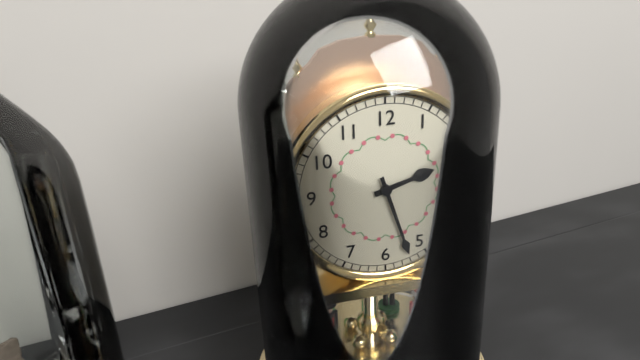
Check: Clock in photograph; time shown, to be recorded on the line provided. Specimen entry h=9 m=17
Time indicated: h=2 m=27
